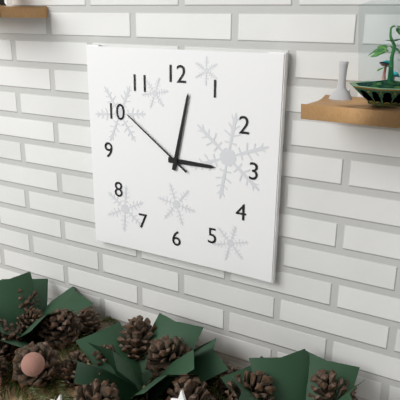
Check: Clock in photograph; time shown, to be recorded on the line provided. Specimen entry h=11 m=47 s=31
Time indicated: h=3 m=2 s=51
